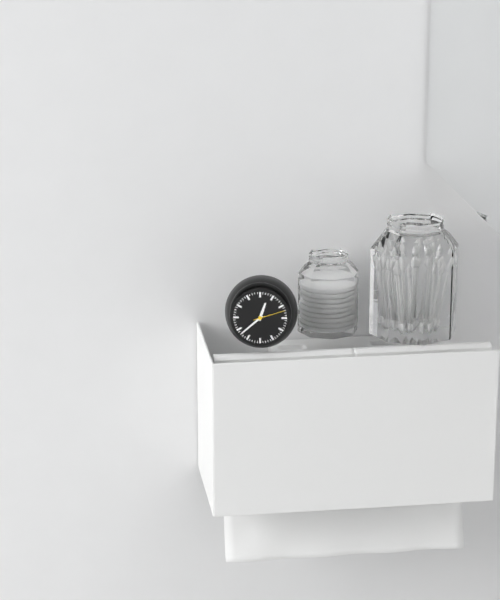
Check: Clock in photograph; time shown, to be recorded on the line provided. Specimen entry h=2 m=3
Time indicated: h=12 m=38
